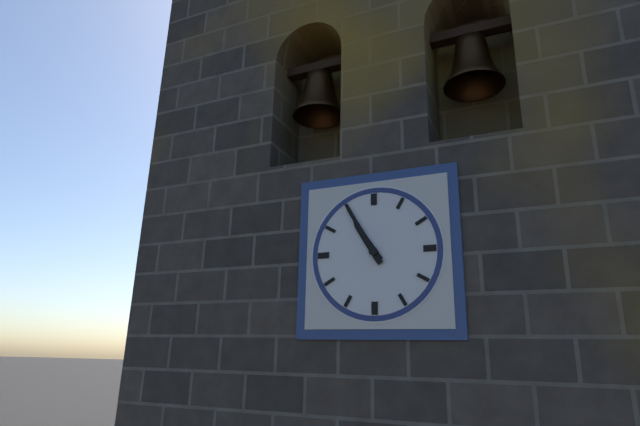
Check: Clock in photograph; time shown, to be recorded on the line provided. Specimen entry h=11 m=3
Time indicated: h=10 m=55
